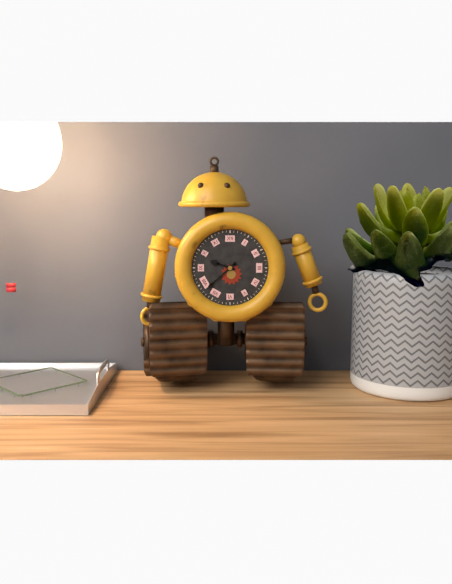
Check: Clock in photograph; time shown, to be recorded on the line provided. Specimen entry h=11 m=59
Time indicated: h=9 m=38
